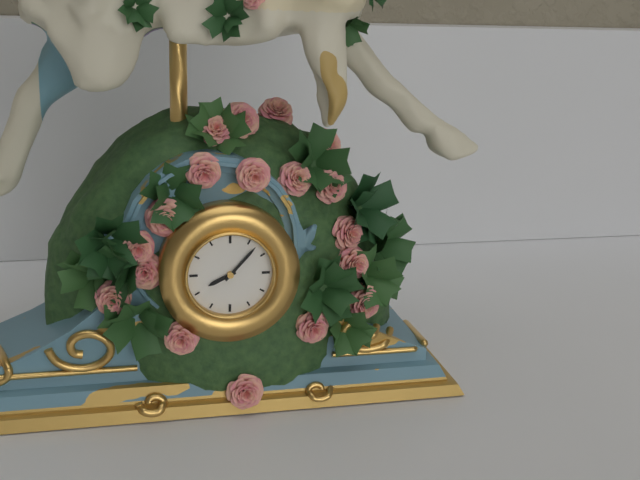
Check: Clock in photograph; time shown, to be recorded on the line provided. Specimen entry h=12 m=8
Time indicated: h=8 m=7
